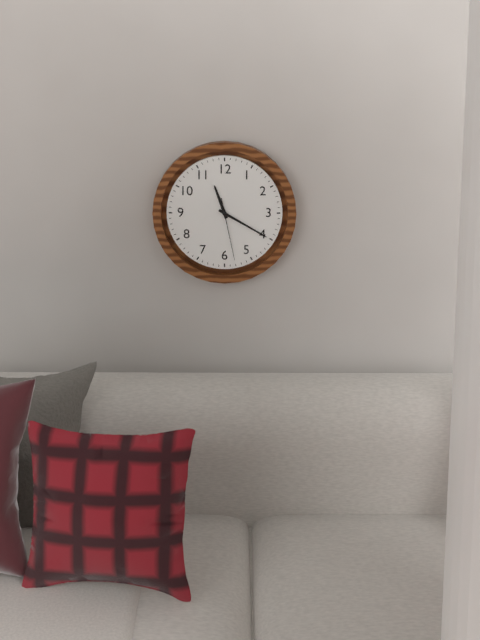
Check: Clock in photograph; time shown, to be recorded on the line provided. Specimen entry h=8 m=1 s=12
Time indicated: h=11 m=20 s=28
